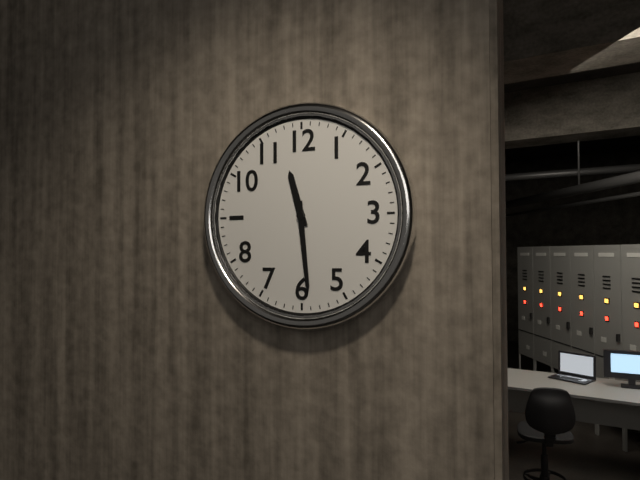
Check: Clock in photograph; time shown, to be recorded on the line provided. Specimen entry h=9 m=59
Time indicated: h=11 m=29
